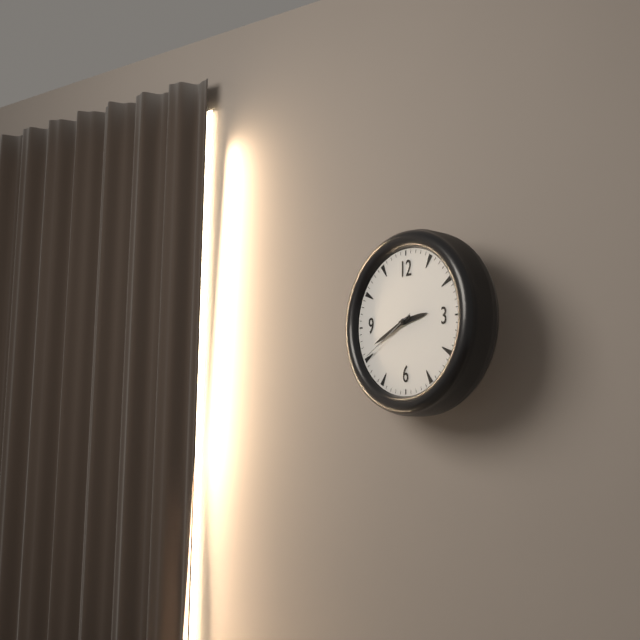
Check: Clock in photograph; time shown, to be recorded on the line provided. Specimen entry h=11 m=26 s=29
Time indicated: h=2 m=41 s=40
